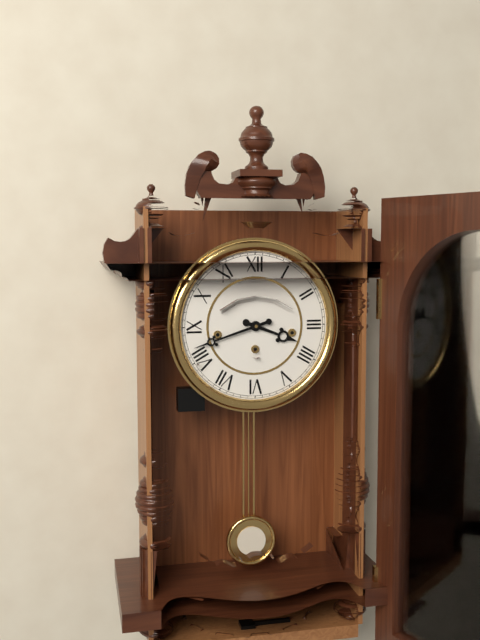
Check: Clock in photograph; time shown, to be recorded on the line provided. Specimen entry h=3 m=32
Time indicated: h=3 m=42
